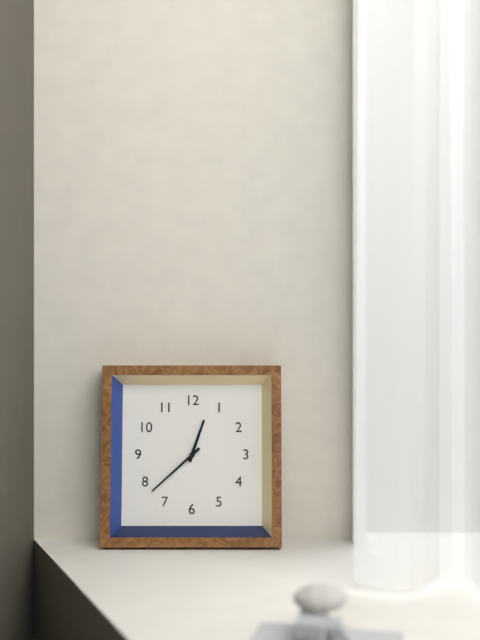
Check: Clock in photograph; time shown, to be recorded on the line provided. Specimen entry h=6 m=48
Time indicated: h=12 m=38
